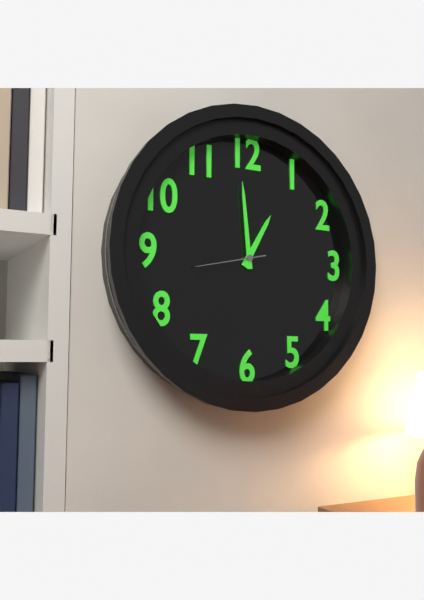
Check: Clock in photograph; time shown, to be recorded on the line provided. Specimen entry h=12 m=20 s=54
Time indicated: h=12 m=59 s=43
